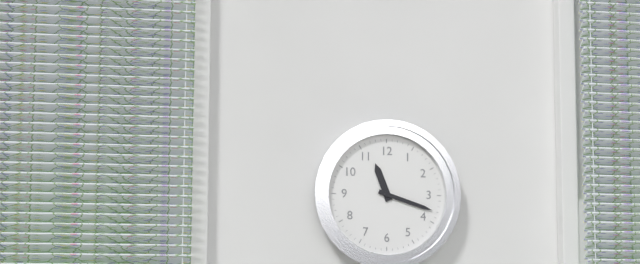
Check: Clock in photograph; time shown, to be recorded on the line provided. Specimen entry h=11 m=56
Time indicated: h=11 m=18
